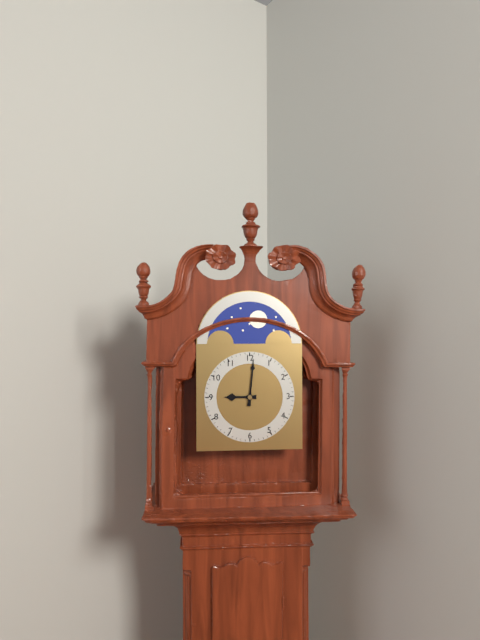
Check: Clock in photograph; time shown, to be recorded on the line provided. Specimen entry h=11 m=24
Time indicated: h=9 m=1
